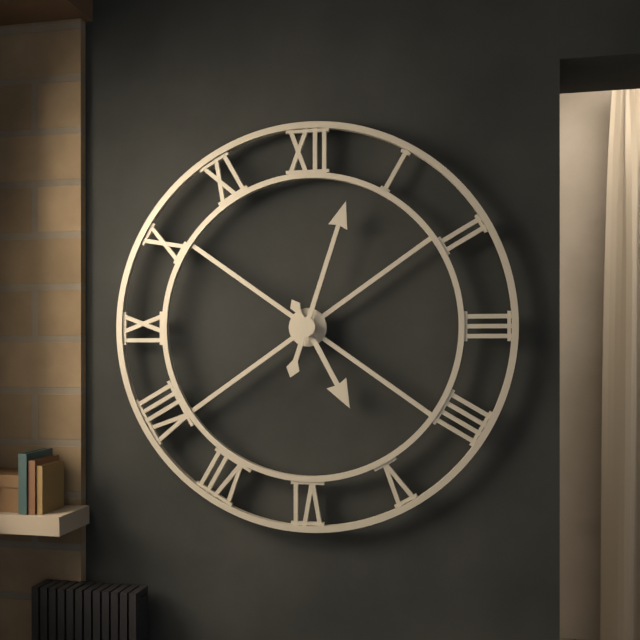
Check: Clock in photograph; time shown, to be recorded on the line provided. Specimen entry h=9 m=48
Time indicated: h=5 m=3
